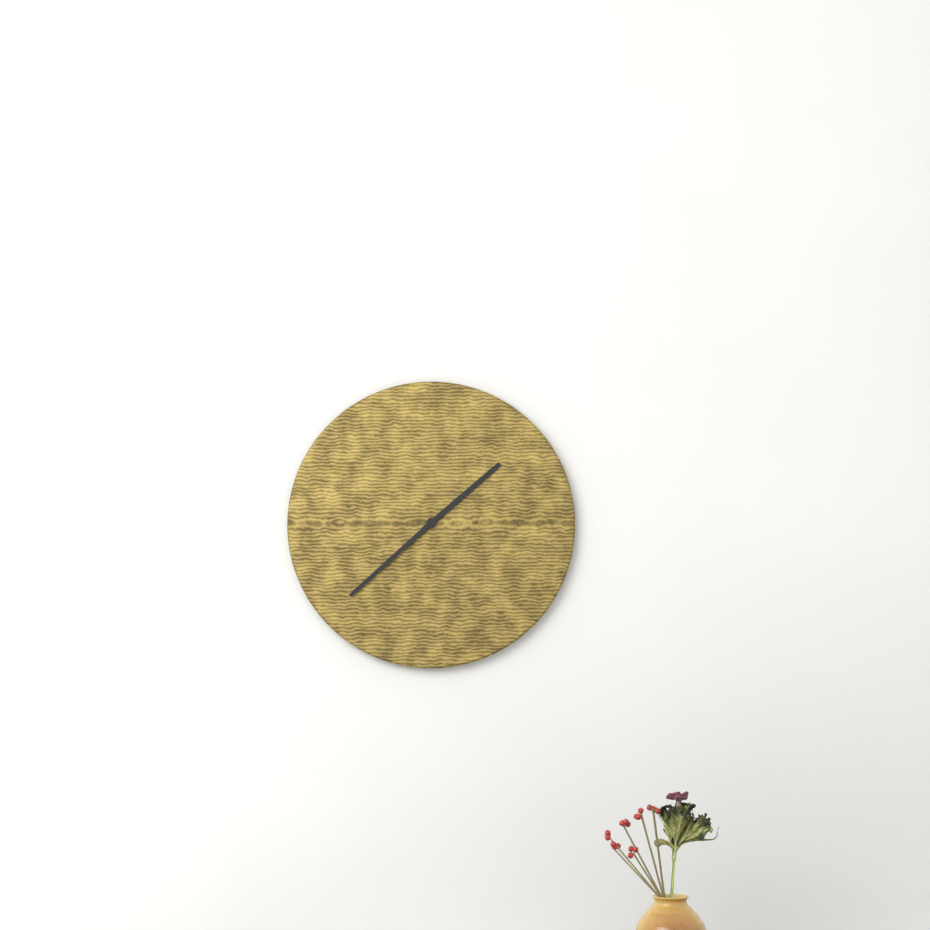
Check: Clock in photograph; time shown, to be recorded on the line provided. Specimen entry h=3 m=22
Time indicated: h=1 m=38
